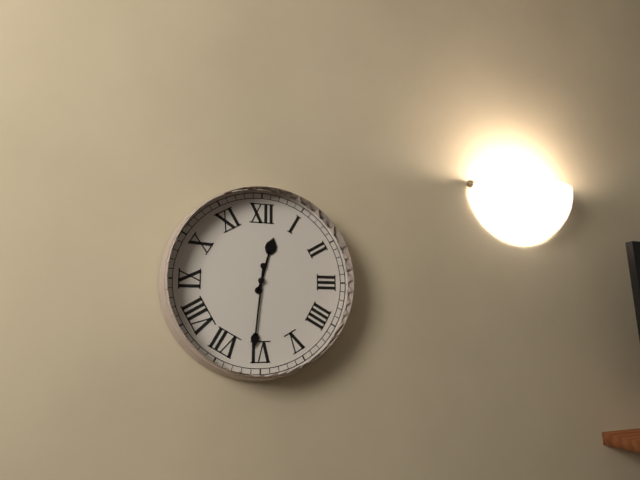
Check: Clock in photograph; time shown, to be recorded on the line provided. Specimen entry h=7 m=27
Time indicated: h=12 m=31
